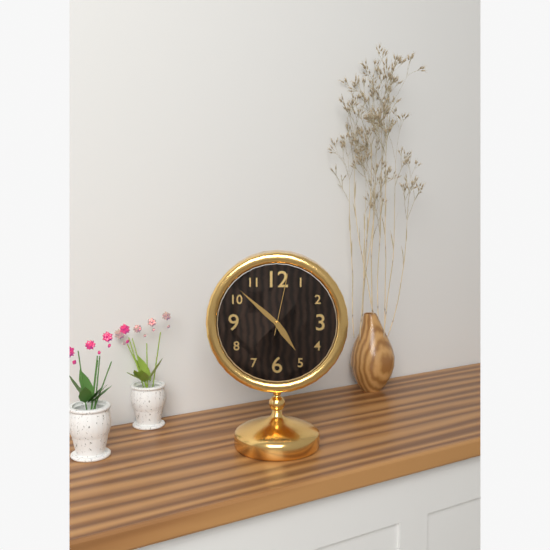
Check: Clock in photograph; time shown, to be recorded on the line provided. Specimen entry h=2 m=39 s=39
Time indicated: h=4 m=52 s=2
